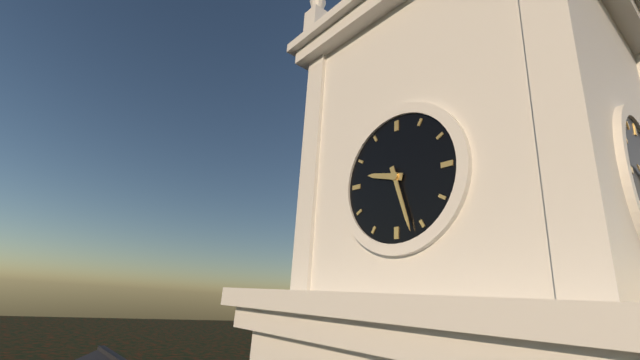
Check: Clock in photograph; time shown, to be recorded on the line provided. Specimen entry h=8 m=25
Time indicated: h=9 m=27
